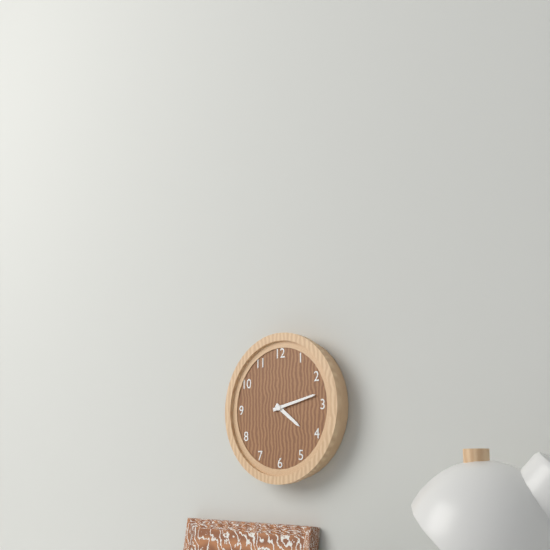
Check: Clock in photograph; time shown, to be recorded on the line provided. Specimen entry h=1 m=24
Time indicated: h=4 m=13
